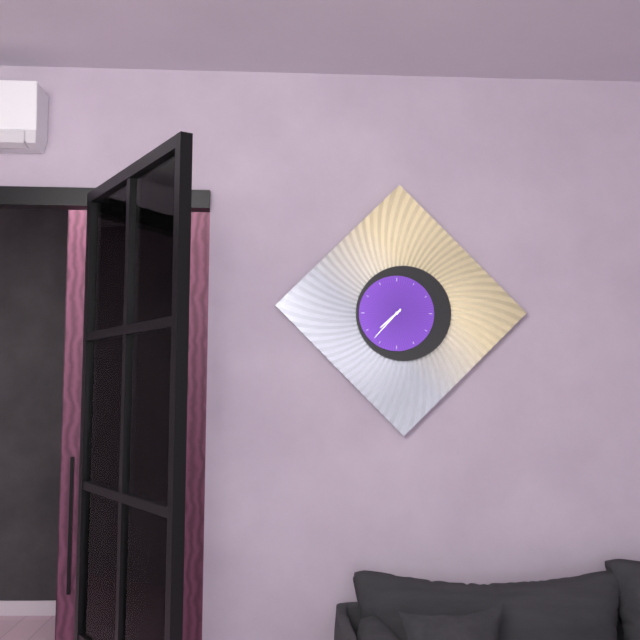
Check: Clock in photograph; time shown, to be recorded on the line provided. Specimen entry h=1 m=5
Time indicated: h=7 m=37
